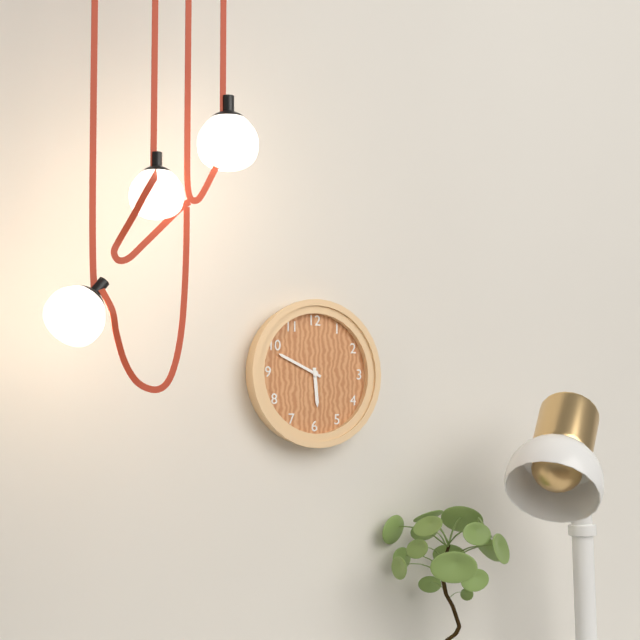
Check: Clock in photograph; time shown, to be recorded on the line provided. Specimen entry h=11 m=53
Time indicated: h=5 m=49
